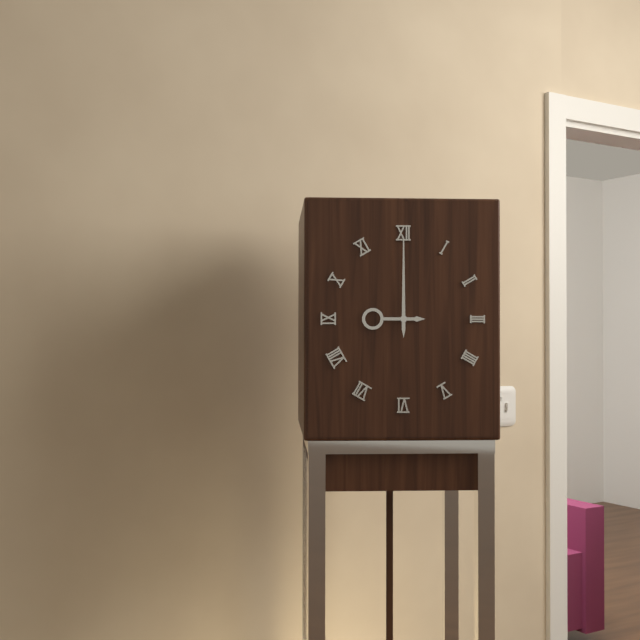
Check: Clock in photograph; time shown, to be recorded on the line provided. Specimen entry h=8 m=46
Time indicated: h=9 m=0
